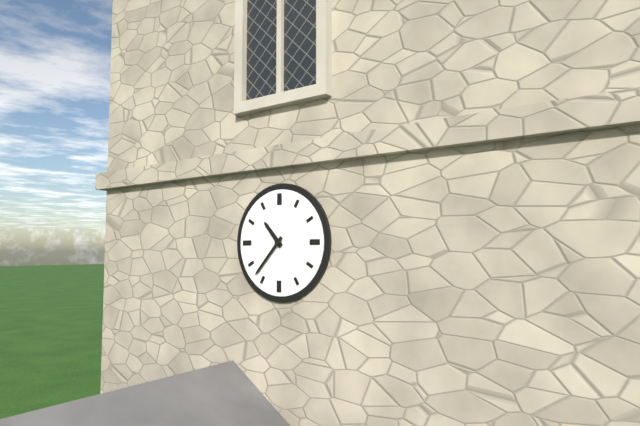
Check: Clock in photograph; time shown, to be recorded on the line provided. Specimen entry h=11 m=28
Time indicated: h=10 m=37
